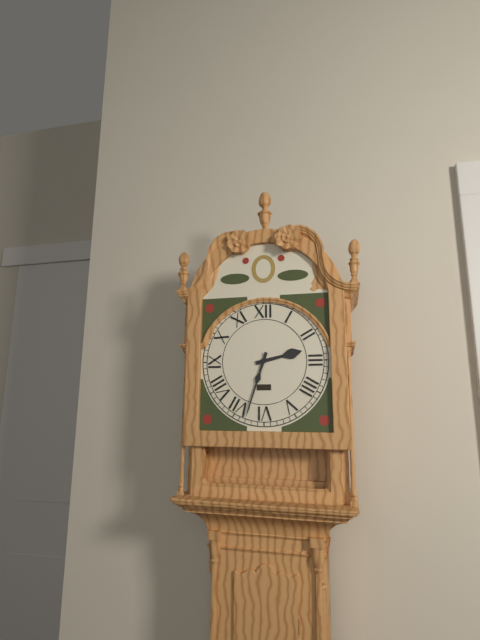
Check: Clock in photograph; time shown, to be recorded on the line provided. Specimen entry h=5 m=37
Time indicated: h=2 m=33
